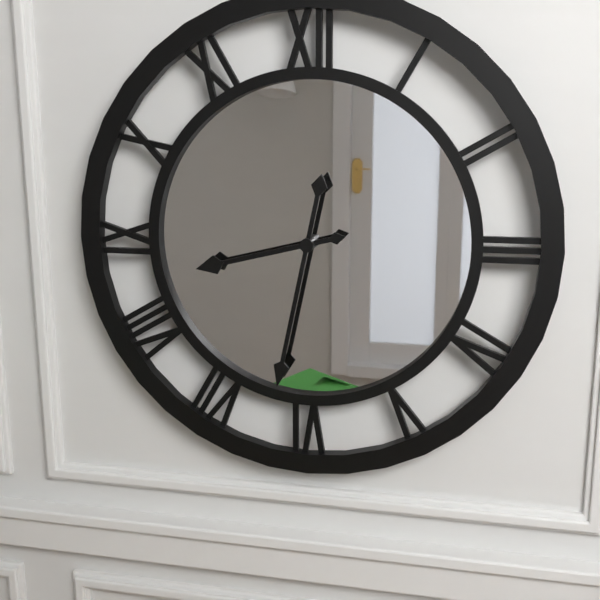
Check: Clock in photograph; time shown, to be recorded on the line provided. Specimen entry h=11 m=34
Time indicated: h=8 m=32
